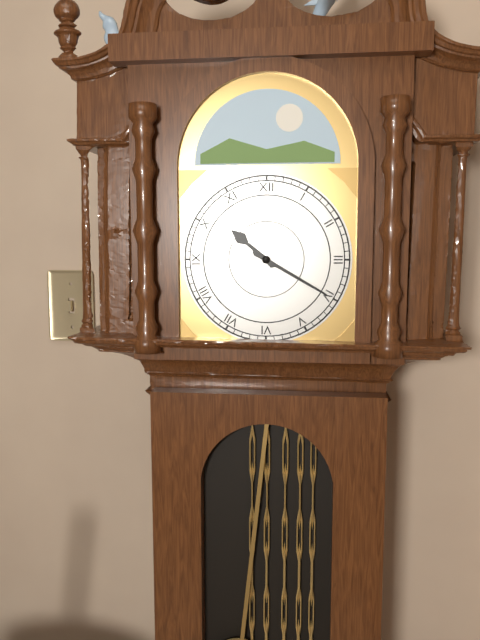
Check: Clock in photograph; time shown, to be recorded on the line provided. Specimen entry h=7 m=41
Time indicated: h=10 m=20
